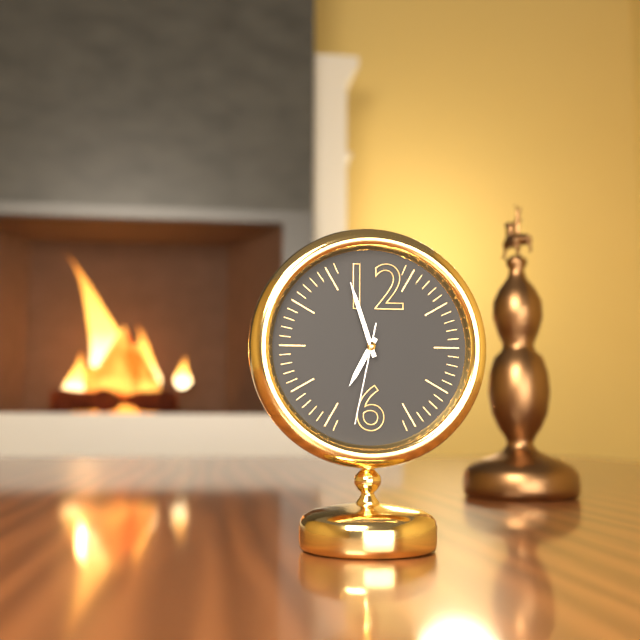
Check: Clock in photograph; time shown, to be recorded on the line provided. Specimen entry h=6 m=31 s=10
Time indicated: h=6 m=57 s=32
